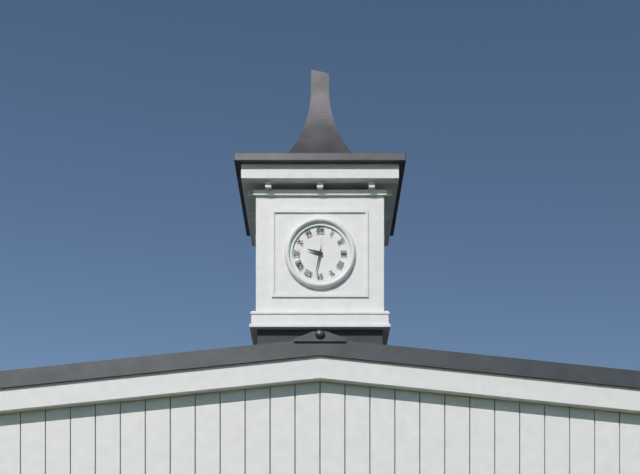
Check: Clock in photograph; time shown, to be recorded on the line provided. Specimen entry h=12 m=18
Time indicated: h=9 m=32
